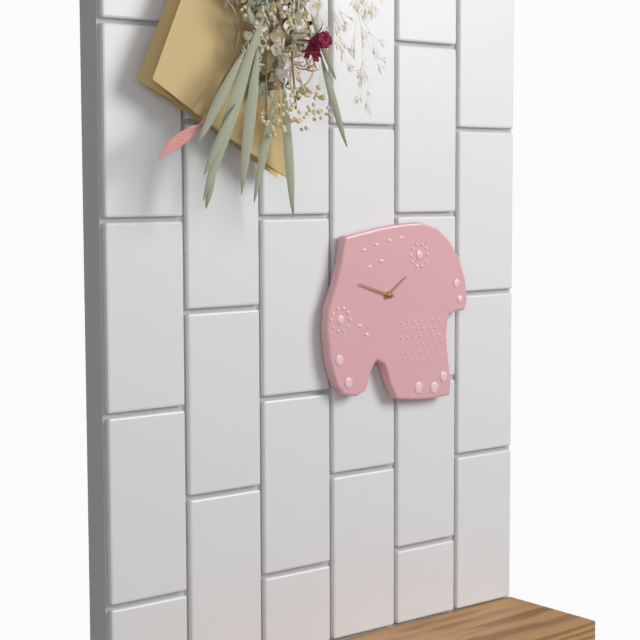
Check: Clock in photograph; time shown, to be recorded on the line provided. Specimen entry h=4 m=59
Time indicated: h=1 m=48
